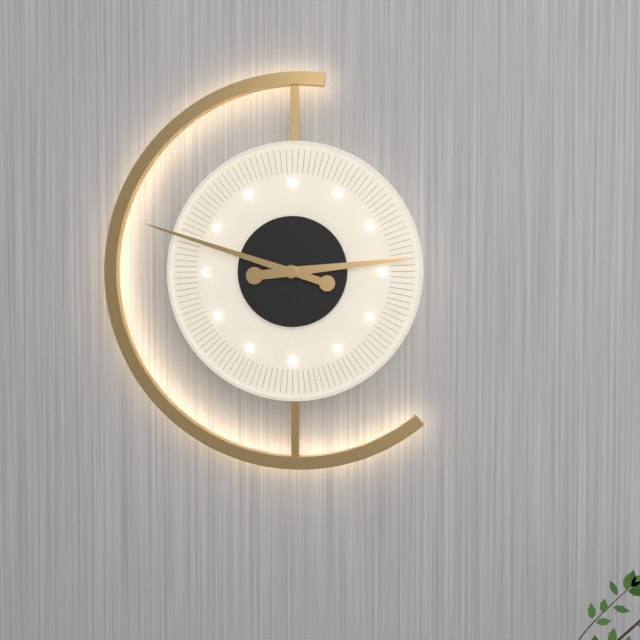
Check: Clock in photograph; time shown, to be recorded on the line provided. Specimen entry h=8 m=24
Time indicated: h=2 m=48
